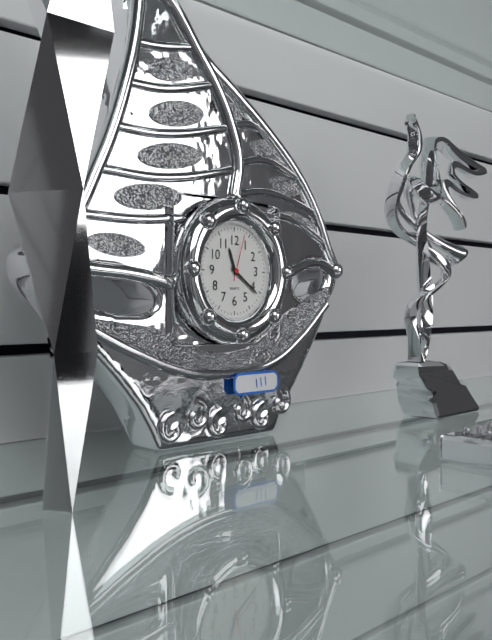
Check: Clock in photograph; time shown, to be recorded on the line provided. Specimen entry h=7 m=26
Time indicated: h=11 m=21
